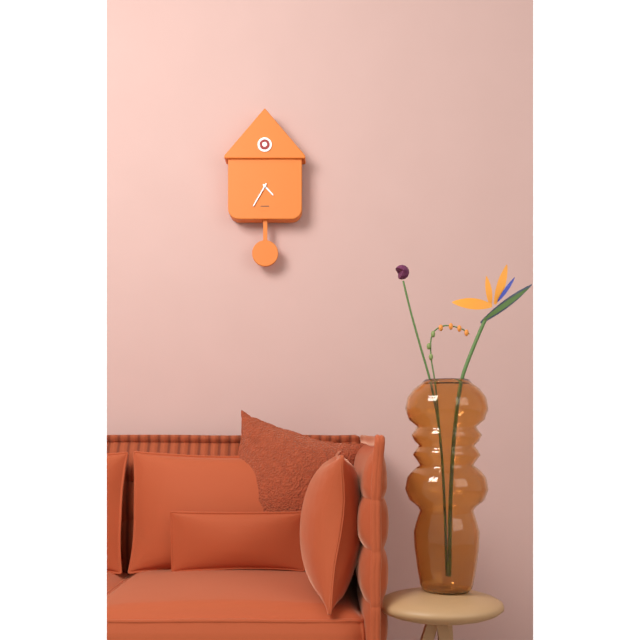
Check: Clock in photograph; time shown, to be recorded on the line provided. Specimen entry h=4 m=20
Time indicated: h=4 m=35
